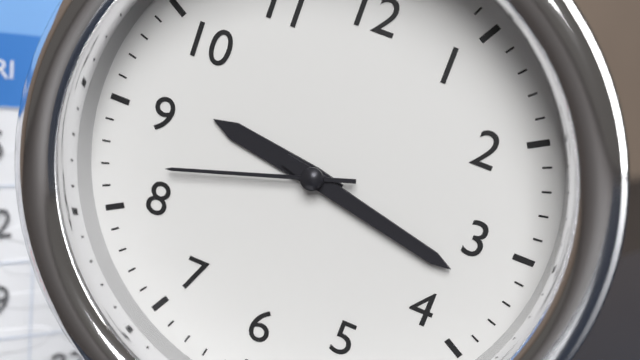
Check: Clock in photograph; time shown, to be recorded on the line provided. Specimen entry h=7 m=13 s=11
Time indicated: h=9 m=17 s=42
